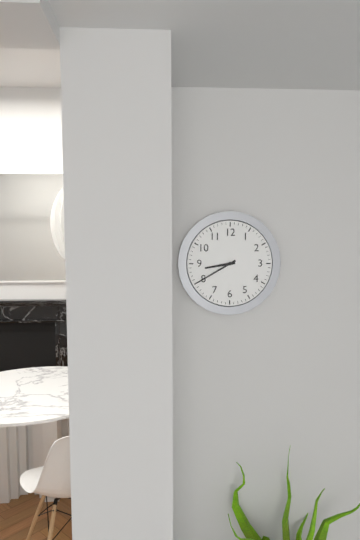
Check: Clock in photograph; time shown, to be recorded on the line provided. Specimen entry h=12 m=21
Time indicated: h=8 m=40
